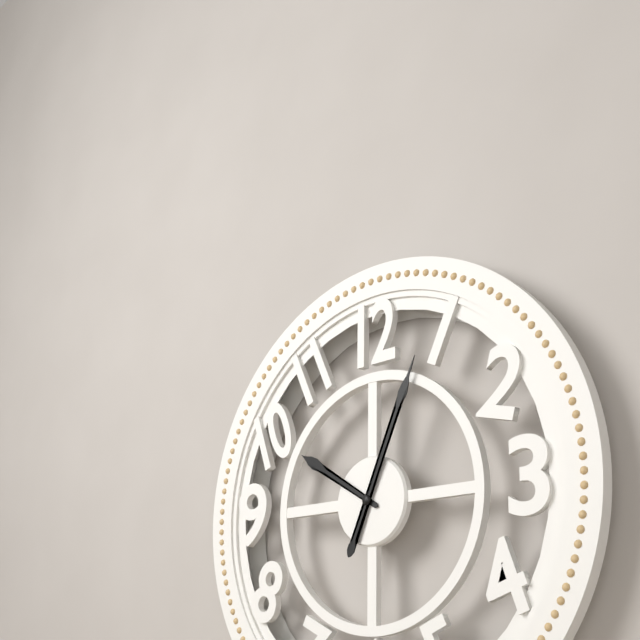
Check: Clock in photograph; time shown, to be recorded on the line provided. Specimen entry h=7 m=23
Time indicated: h=10 m=4
